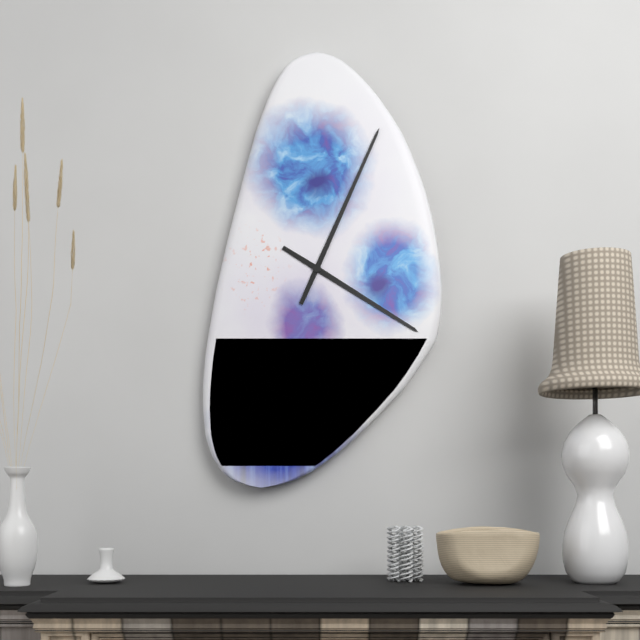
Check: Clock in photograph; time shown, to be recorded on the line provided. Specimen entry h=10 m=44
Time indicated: h=4 m=4
